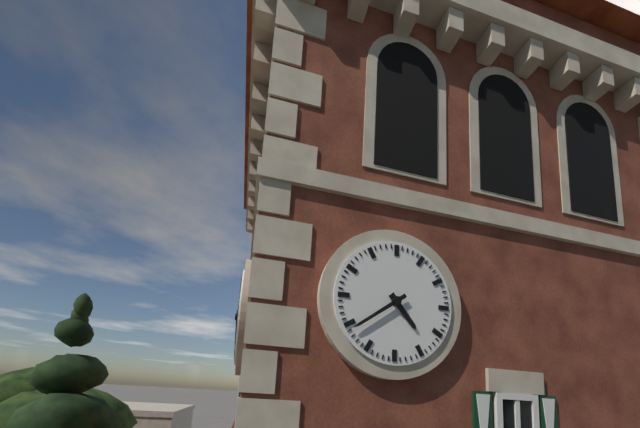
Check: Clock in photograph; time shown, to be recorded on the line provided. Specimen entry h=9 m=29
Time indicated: h=4 m=39
